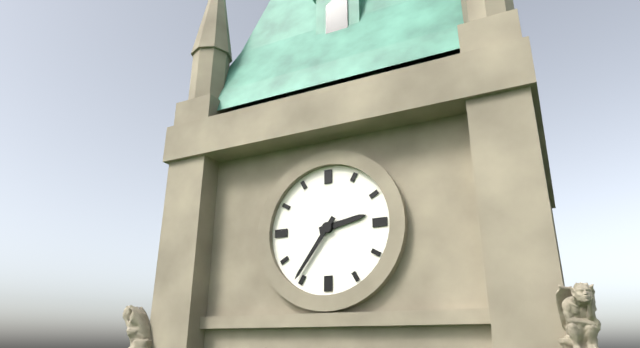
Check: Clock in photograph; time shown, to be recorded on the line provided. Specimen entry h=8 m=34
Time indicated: h=2 m=36
